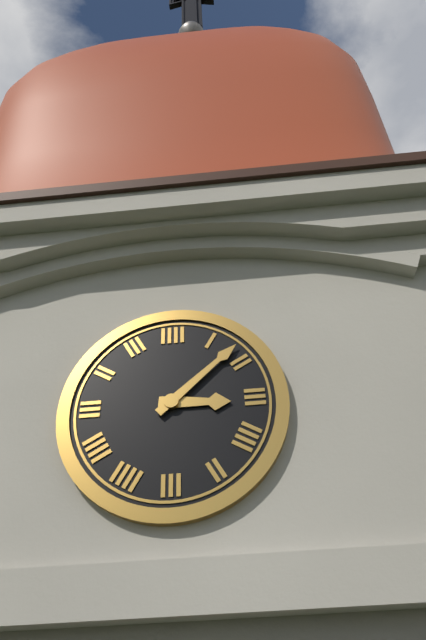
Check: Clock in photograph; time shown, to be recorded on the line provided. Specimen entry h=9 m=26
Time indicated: h=3 m=8
